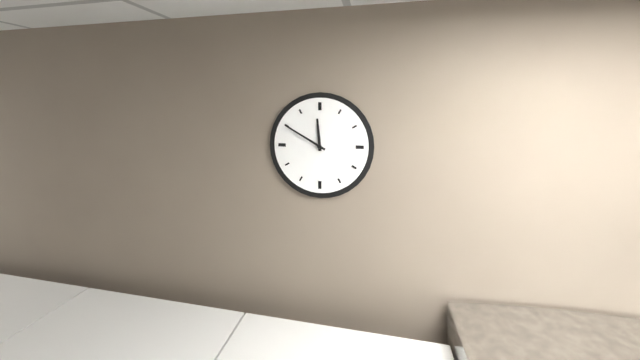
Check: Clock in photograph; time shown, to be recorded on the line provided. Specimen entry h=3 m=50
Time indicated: h=11 m=50
